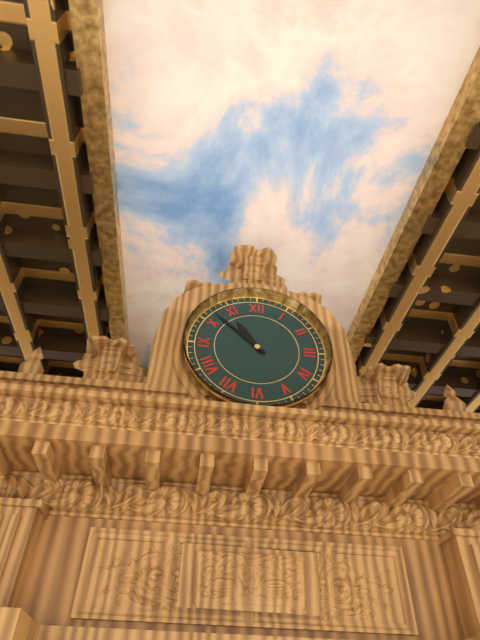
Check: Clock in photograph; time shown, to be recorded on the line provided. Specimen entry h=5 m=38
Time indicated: h=10 m=52
